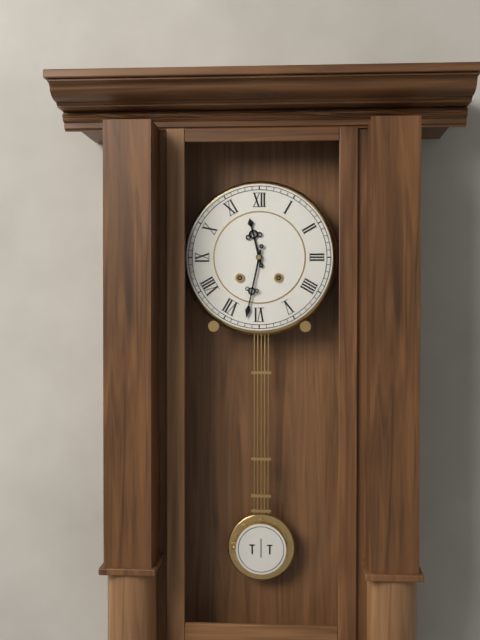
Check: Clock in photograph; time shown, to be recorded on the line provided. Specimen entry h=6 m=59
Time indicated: h=11 m=32
